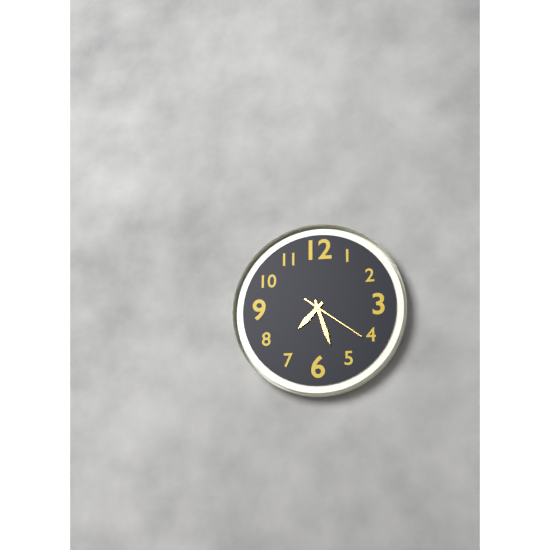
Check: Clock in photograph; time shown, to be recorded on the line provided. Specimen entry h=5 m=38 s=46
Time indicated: h=7 m=27 s=21
